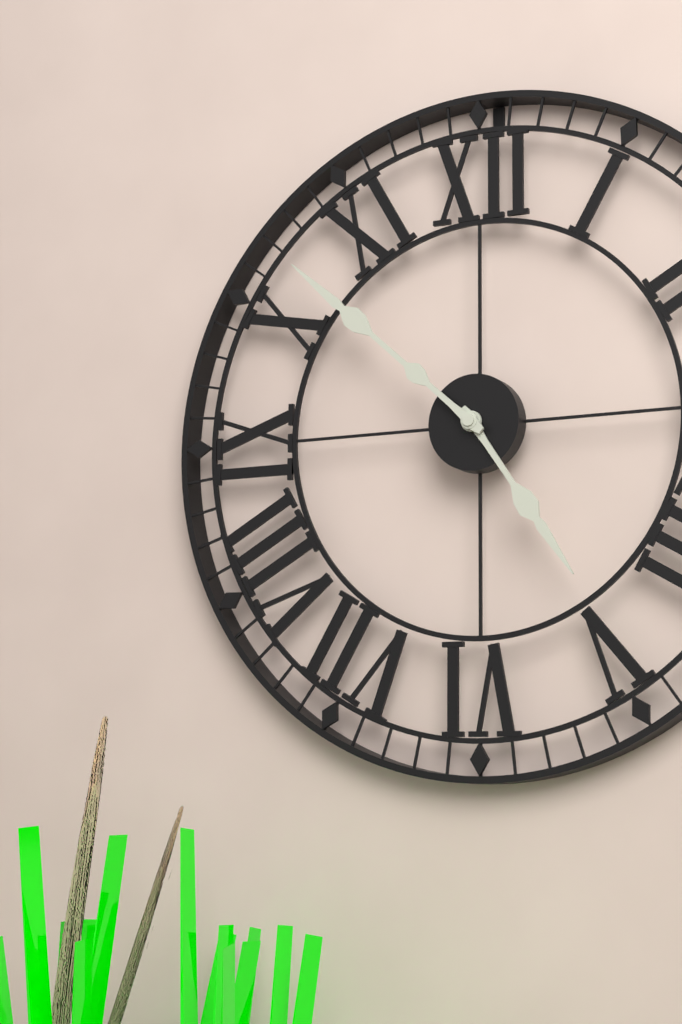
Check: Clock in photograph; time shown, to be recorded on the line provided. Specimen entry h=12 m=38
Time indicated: h=4 m=52
